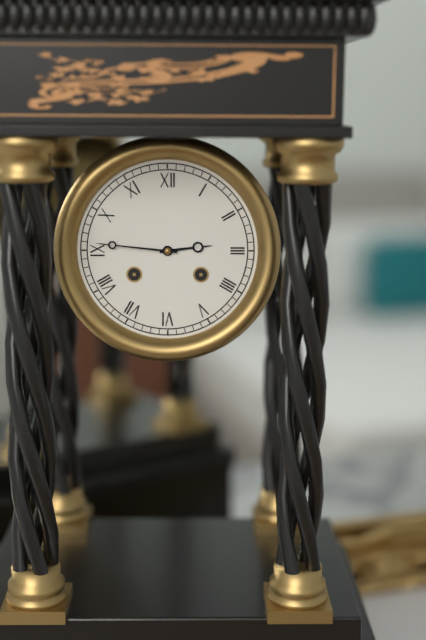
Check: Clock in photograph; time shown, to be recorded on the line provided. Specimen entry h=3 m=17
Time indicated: h=2 m=46
